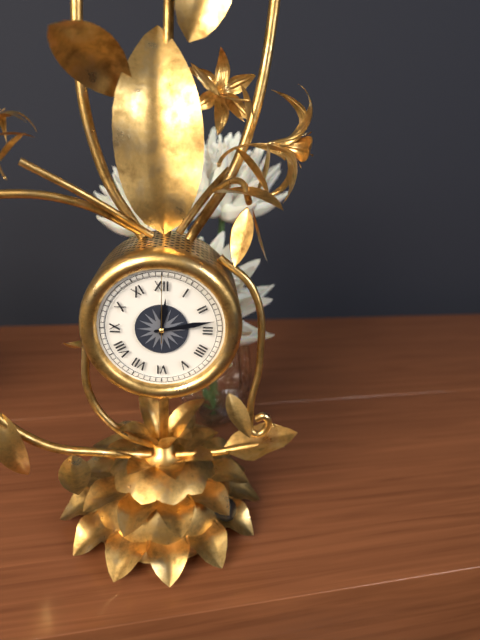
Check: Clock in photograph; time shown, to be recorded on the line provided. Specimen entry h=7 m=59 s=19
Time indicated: h=12 m=13 s=0
